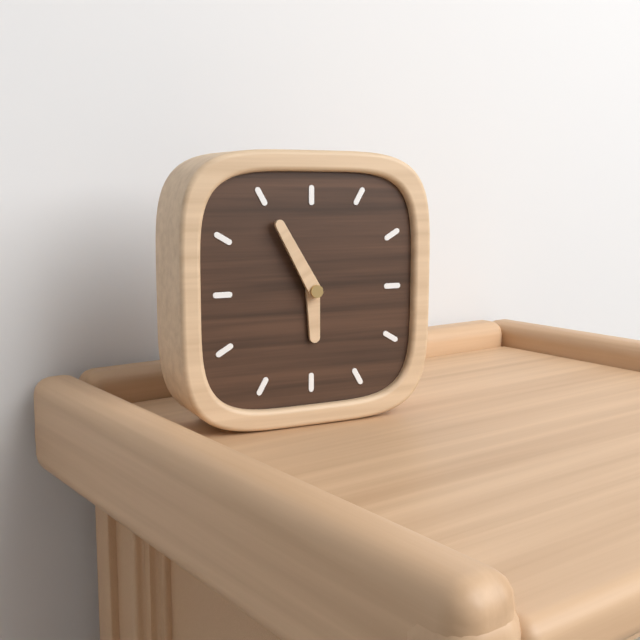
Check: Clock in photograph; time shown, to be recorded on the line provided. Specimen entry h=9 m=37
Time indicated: h=5 m=55
